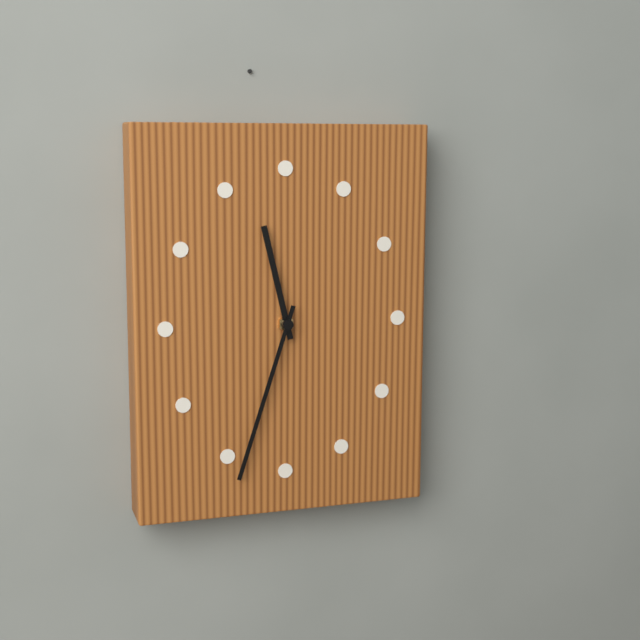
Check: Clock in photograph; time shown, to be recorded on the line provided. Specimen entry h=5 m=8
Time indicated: h=11 m=33
